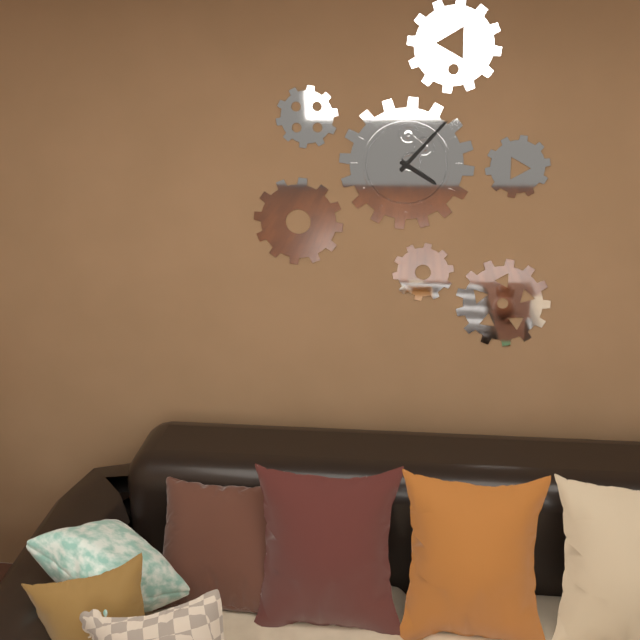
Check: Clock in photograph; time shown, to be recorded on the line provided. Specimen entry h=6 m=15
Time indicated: h=4 m=7
